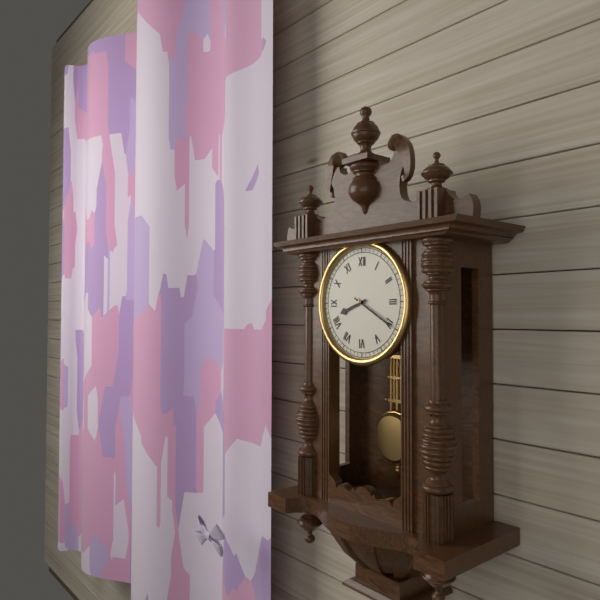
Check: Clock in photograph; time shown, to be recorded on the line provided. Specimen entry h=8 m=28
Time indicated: h=8 m=20
